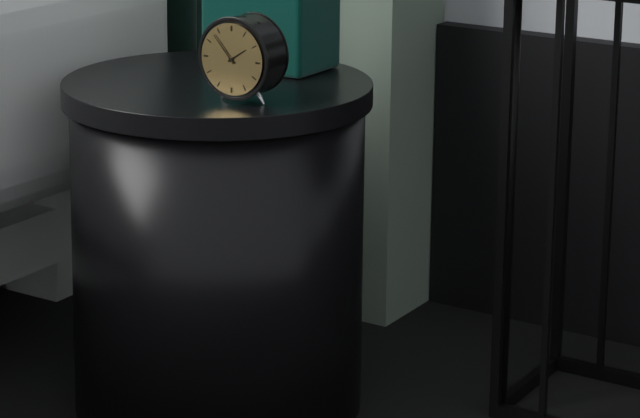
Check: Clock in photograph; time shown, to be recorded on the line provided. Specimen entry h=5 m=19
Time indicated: h=1 m=53
